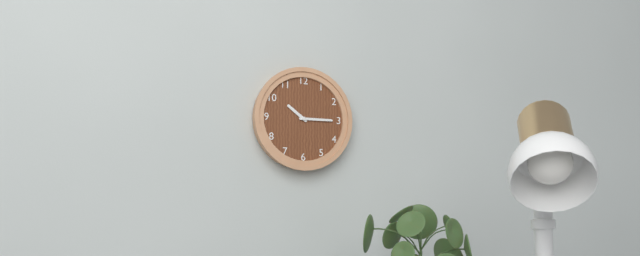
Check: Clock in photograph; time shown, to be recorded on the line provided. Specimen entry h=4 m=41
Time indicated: h=10 m=15
